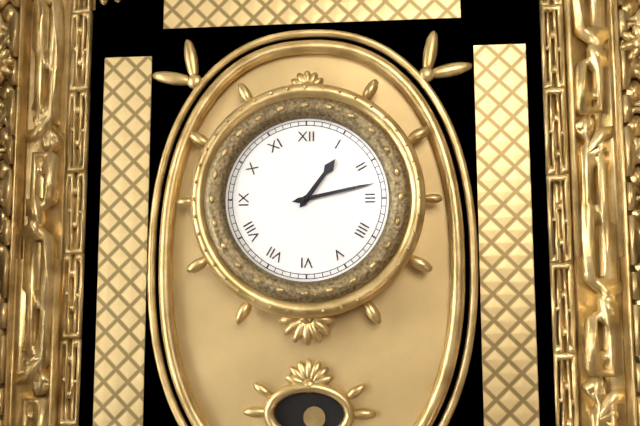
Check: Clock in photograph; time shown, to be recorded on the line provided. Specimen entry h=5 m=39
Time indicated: h=1 m=13
